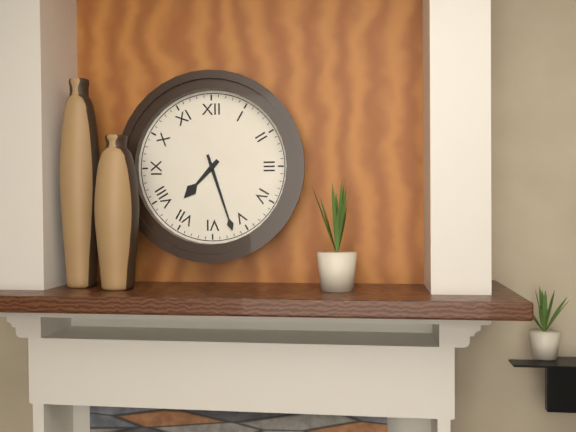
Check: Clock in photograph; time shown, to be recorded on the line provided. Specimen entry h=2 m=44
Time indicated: h=7 m=27
